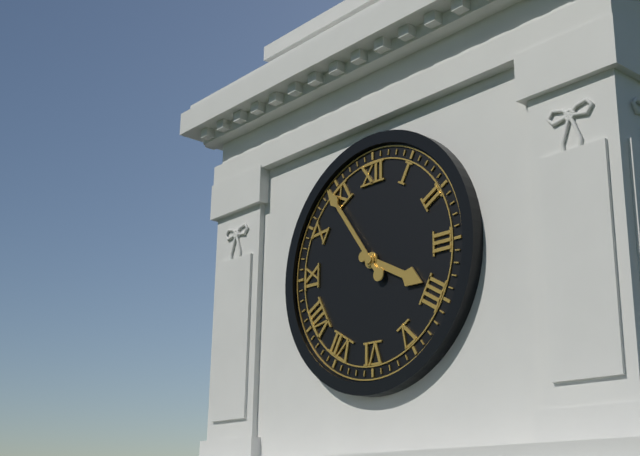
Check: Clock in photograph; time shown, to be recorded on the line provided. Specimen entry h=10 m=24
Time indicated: h=3 m=54
